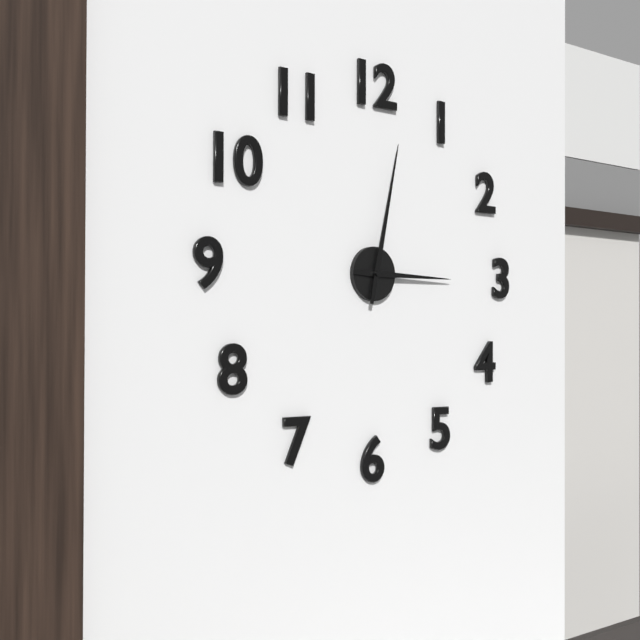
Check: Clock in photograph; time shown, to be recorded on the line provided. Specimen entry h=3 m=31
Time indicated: h=3 m=2
